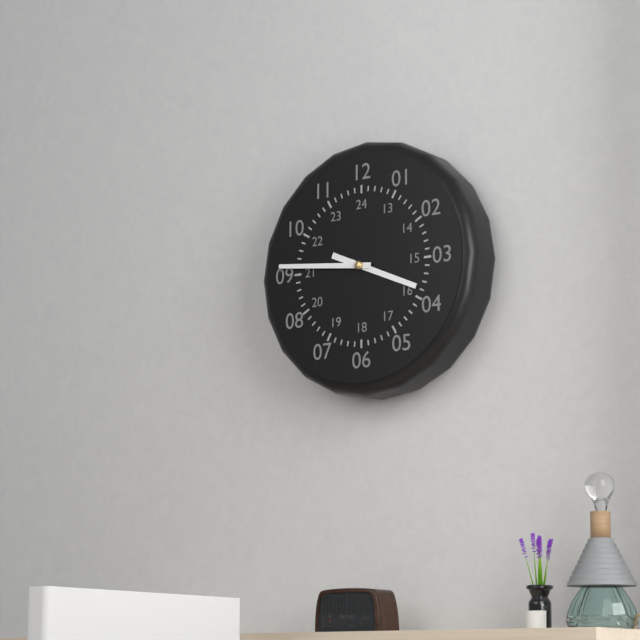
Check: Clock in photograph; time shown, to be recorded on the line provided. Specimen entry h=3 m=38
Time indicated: h=3 m=46
